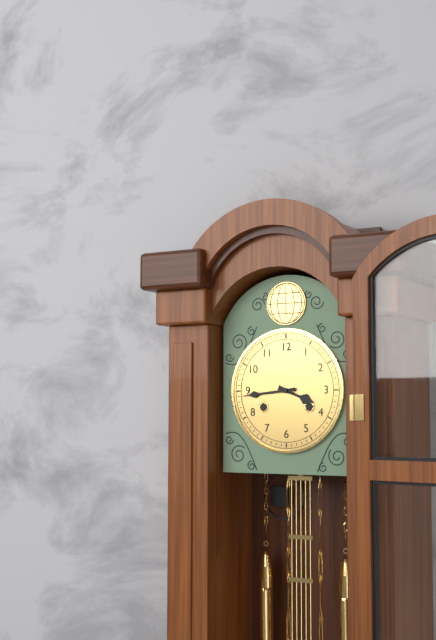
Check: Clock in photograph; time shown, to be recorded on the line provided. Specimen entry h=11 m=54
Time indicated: h=3 m=44
